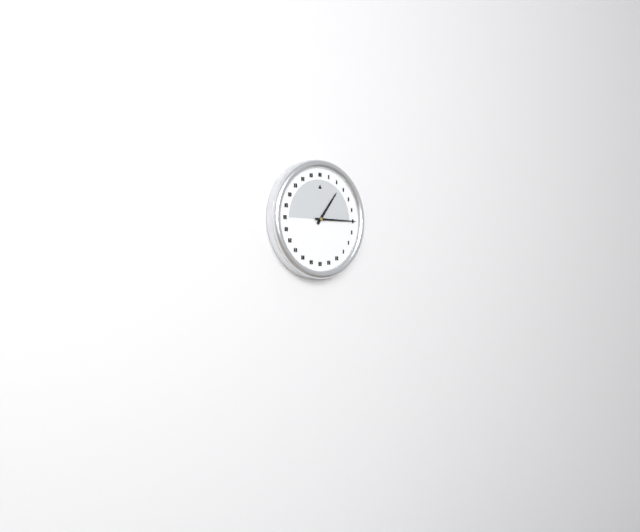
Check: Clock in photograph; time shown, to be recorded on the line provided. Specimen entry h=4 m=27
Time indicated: h=1 m=15
